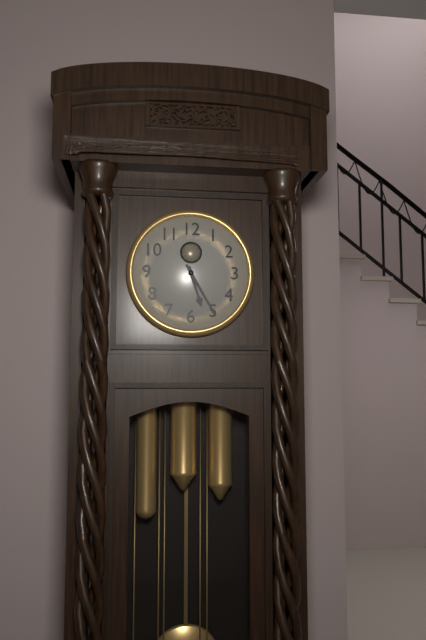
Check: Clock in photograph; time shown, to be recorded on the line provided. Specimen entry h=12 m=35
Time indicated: h=5 m=25
